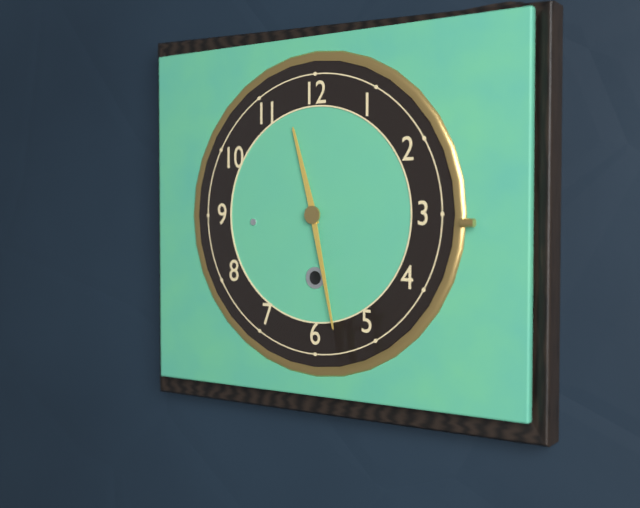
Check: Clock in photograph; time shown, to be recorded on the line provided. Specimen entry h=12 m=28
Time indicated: h=11 m=28
